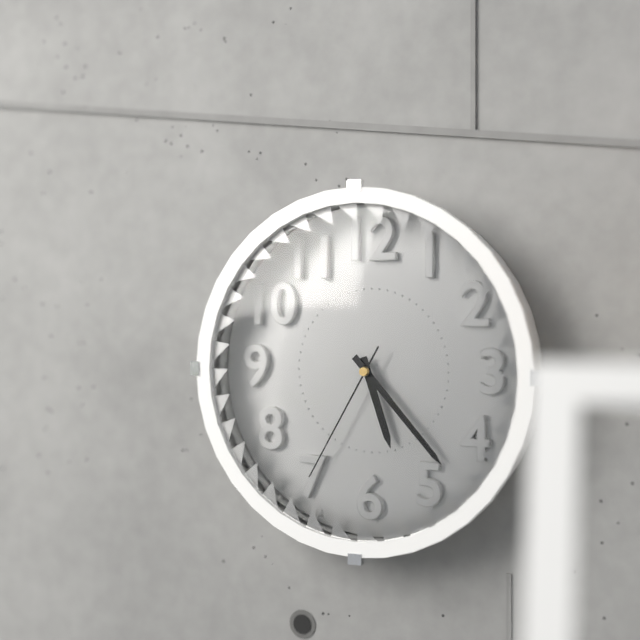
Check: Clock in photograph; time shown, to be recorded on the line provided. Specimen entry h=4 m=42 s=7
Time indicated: h=5 m=23 s=35
